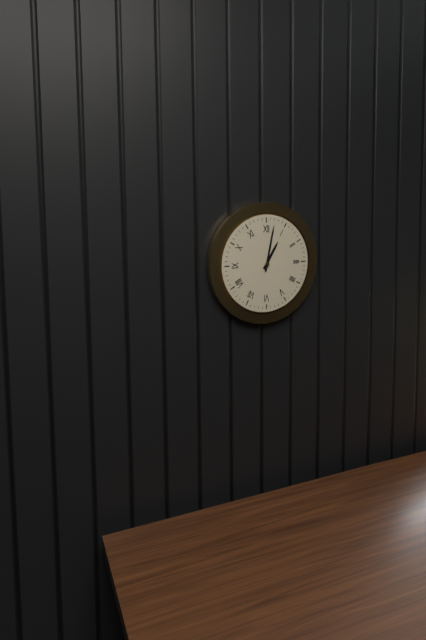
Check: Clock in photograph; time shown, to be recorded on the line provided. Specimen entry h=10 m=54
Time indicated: h=1 m=2
